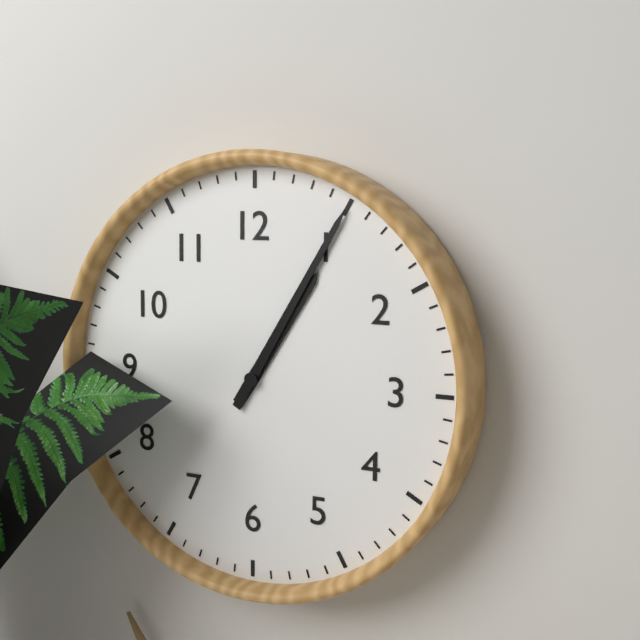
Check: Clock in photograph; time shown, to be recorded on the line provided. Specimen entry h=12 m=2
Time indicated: h=1 m=5
